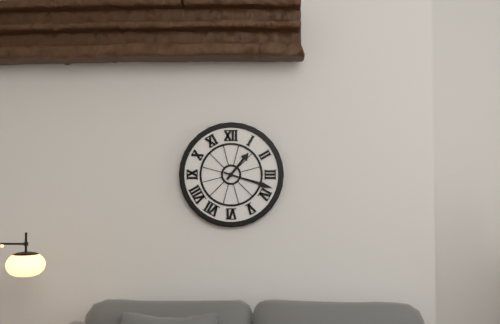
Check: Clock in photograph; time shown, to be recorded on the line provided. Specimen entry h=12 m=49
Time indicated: h=1 m=18
